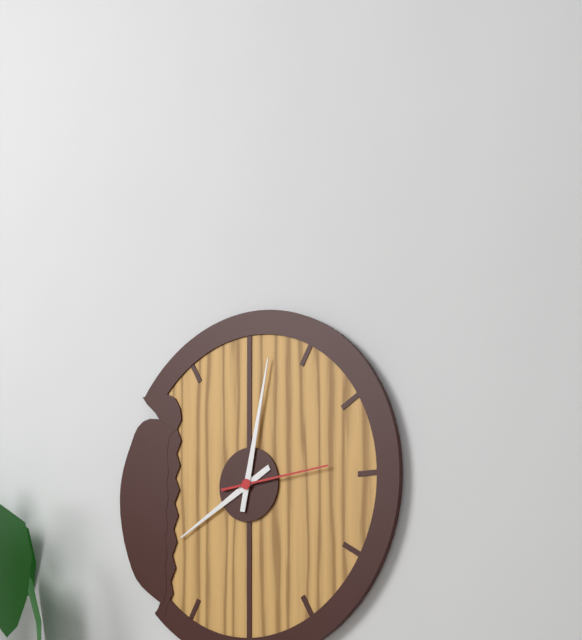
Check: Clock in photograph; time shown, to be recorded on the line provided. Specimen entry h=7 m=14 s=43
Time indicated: h=8 m=2 s=14
